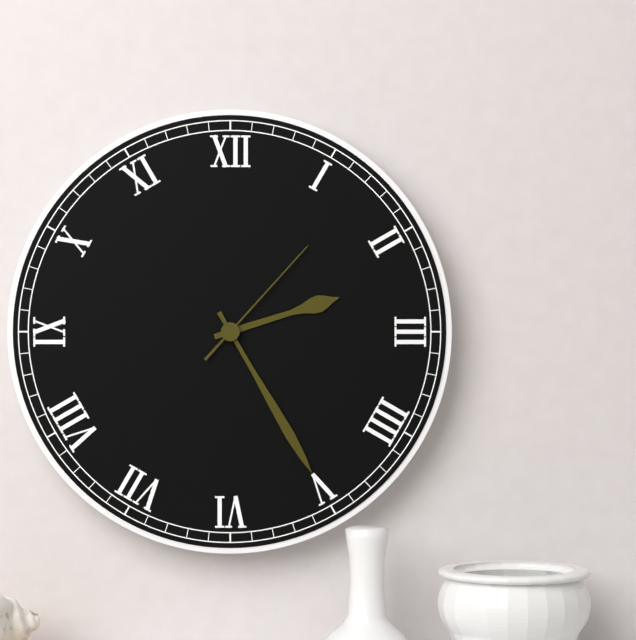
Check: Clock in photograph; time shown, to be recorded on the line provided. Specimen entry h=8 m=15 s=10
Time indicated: h=2 m=25 s=7
